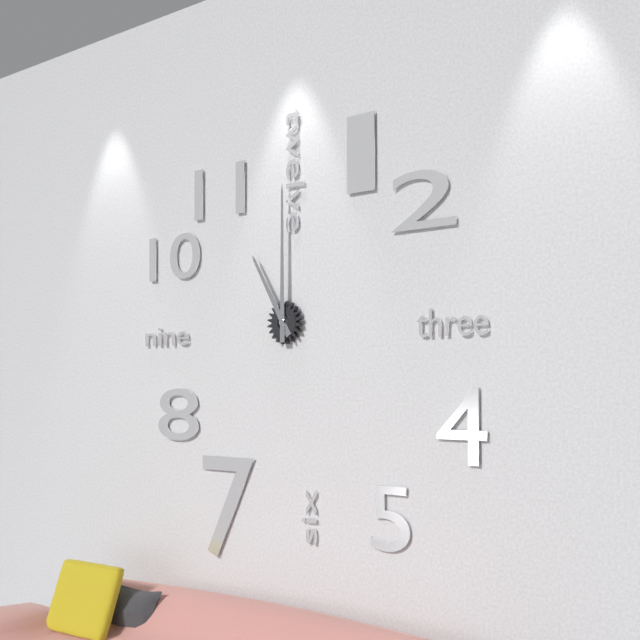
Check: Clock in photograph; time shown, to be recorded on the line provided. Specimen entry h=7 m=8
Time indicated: h=11 m=0
